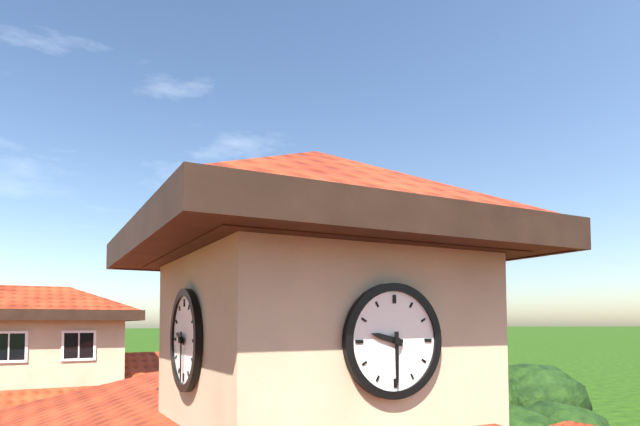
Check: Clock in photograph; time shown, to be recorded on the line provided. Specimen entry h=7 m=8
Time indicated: h=9 m=30
